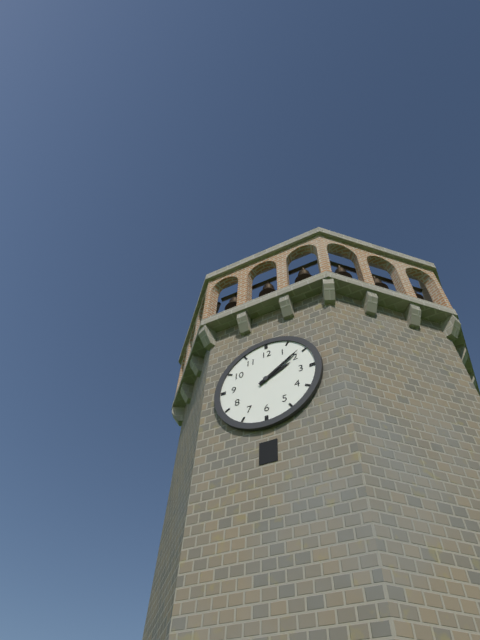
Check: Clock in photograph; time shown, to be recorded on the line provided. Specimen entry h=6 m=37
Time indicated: h=2 m=9
